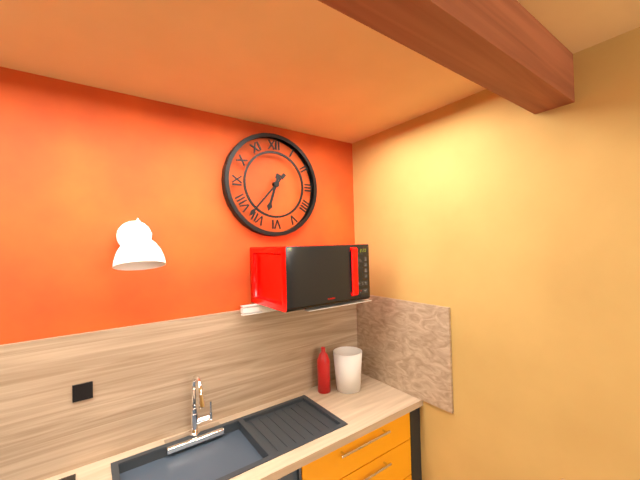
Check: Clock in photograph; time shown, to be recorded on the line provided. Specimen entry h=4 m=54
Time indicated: h=6 m=37
